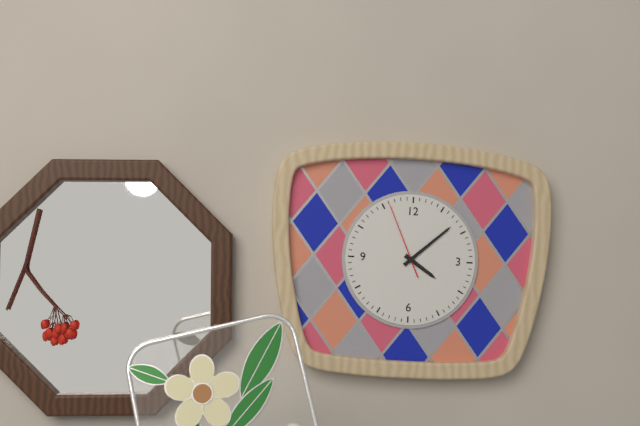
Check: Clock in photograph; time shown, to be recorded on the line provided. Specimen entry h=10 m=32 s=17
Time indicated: h=4 m=8 s=56
